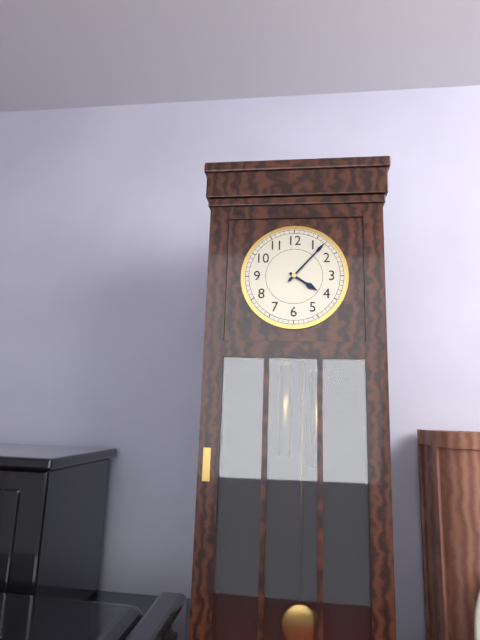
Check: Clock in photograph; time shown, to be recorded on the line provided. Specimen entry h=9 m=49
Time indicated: h=4 m=7
